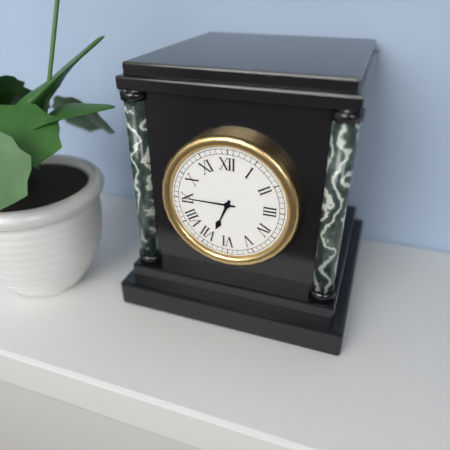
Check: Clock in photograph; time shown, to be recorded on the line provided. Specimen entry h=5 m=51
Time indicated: h=6 m=45
